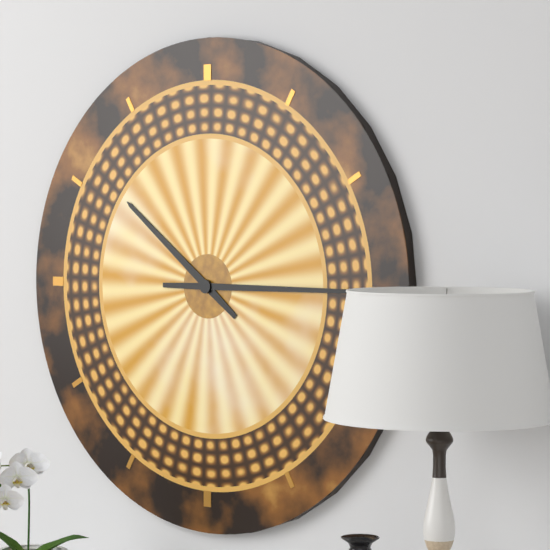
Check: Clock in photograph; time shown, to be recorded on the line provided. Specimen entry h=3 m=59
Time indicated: h=10 m=15
